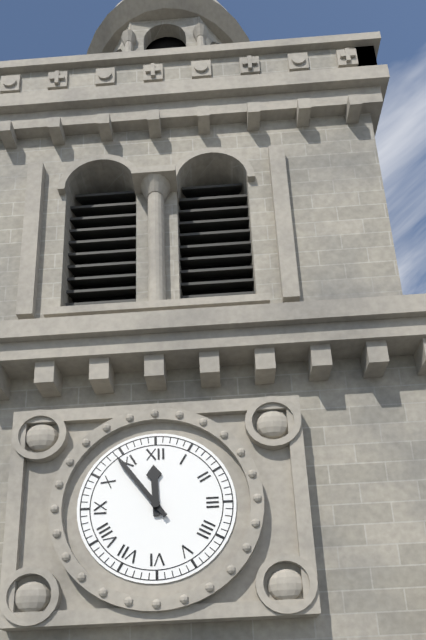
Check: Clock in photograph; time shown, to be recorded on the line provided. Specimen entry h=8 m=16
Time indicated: h=11 m=54
